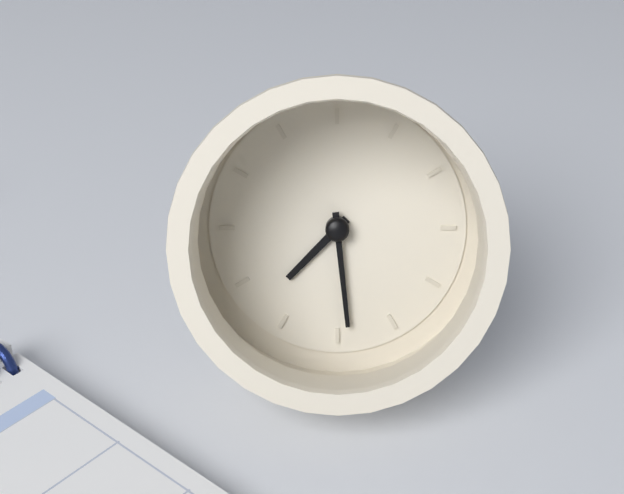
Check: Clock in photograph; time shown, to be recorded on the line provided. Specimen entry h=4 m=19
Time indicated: h=7 m=29
